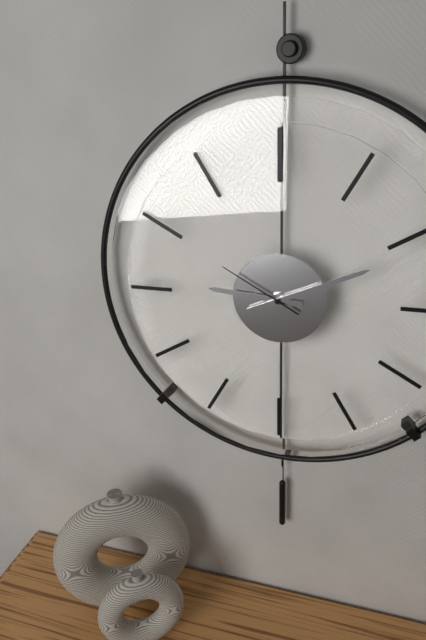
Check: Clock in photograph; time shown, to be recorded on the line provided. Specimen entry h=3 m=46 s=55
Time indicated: h=9 m=11 s=50
